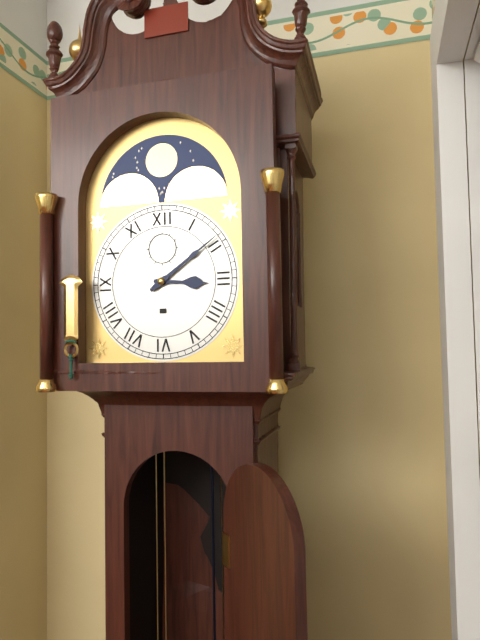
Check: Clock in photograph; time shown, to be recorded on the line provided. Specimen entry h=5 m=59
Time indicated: h=3 m=9
